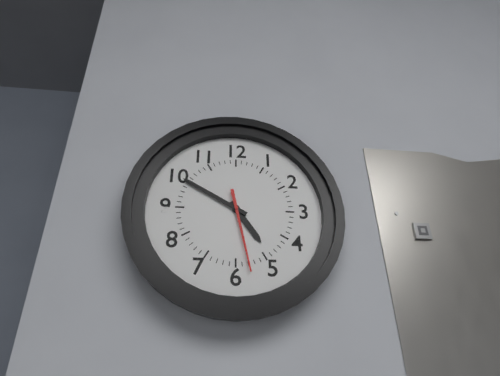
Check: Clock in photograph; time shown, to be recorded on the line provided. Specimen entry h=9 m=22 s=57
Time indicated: h=4 m=50 s=28
